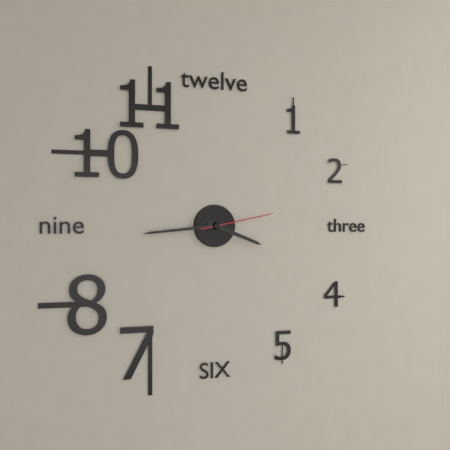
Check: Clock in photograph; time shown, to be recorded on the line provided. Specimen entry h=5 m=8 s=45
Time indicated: h=3 m=44 s=13
